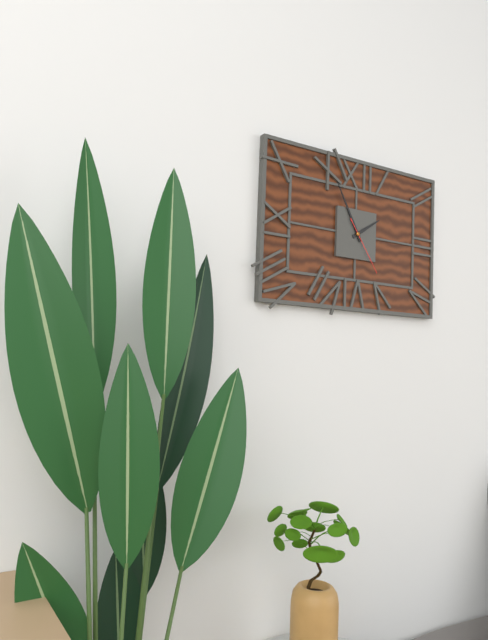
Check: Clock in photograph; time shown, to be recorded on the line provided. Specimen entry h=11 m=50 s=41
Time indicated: h=1 m=55 s=24
